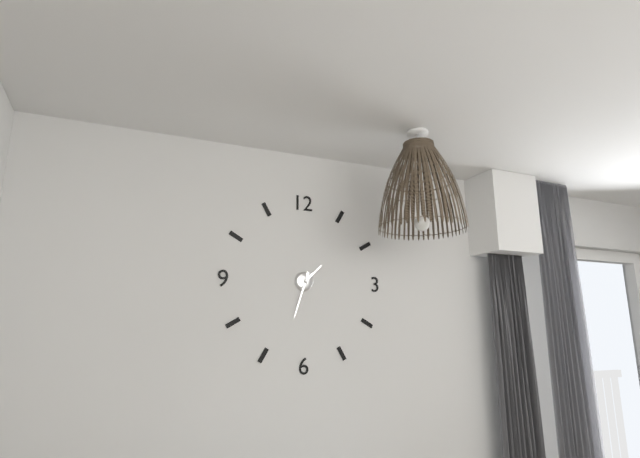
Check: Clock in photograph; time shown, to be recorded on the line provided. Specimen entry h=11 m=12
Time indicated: h=1 m=33
